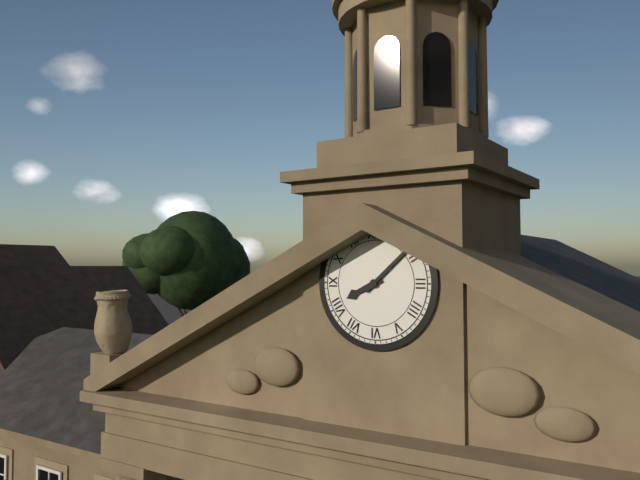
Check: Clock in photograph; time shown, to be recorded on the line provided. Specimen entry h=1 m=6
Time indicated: h=8 m=8
